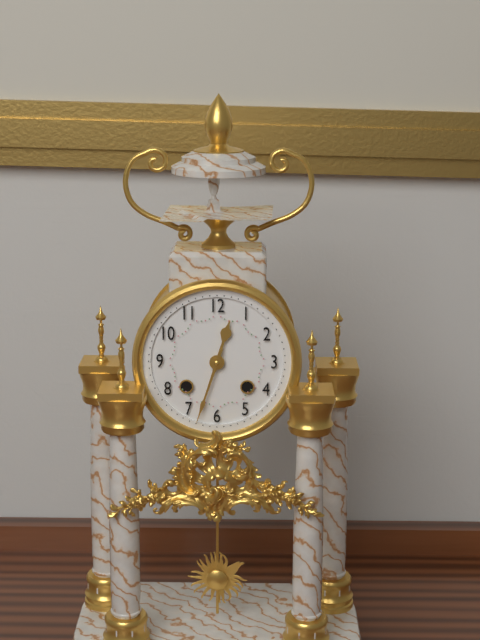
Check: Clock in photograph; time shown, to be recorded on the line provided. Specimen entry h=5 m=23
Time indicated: h=12 m=33
